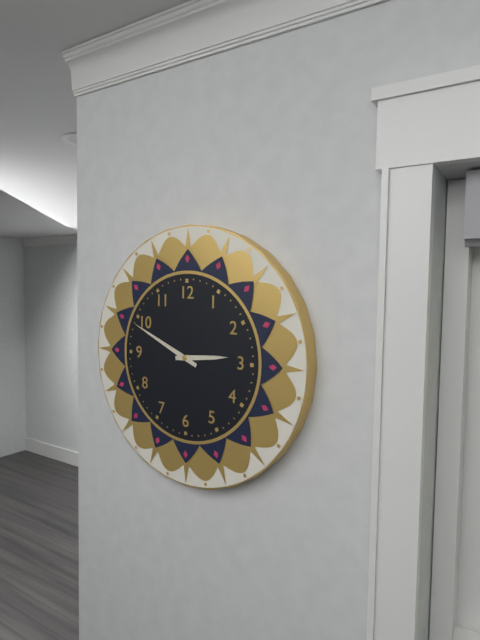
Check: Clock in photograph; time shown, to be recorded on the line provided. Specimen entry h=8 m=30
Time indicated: h=2 m=49
